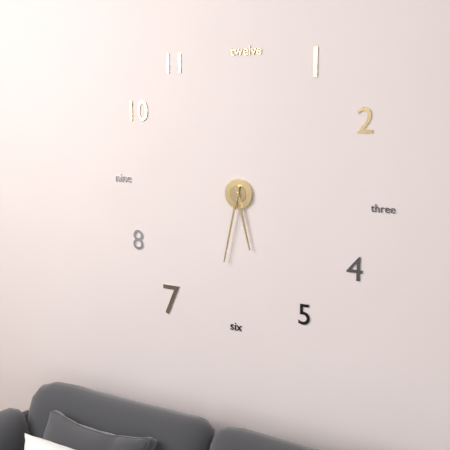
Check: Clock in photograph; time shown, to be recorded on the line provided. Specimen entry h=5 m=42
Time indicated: h=5 m=32
